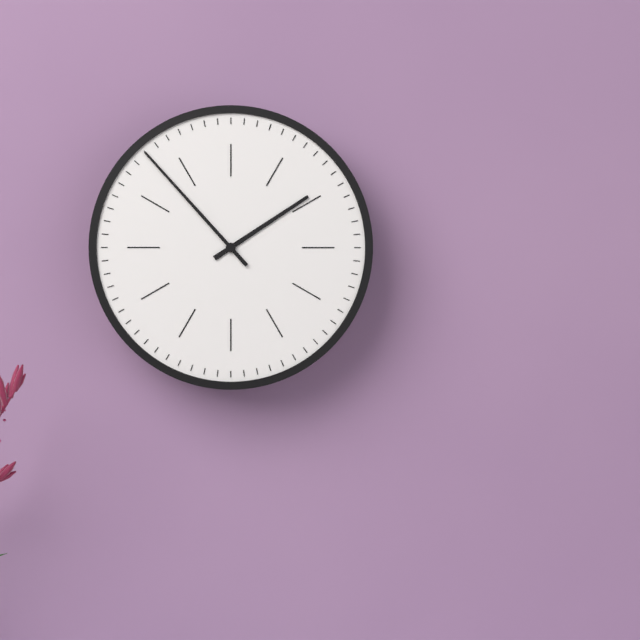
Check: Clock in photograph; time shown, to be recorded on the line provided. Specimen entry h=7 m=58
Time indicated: h=1 m=53
